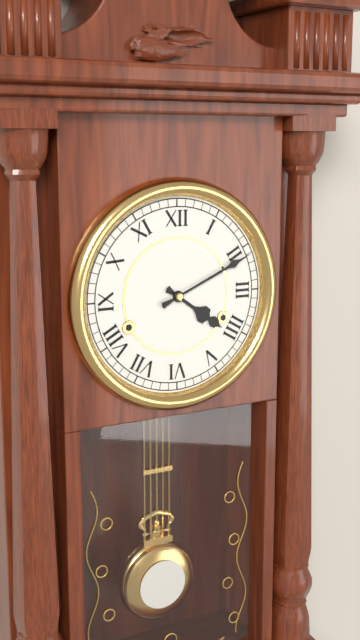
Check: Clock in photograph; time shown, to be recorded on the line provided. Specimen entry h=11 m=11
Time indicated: h=4 m=11
